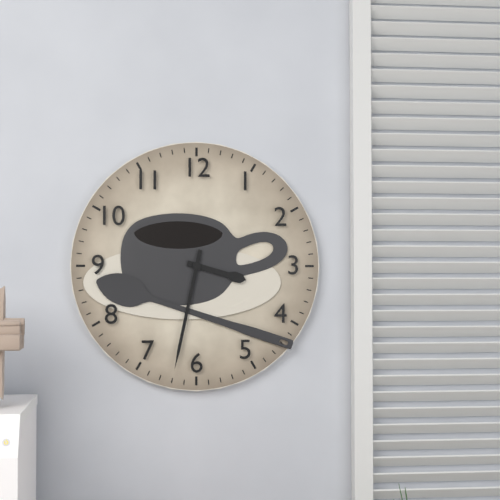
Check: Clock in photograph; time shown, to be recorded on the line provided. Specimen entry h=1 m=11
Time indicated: h=3 m=32
